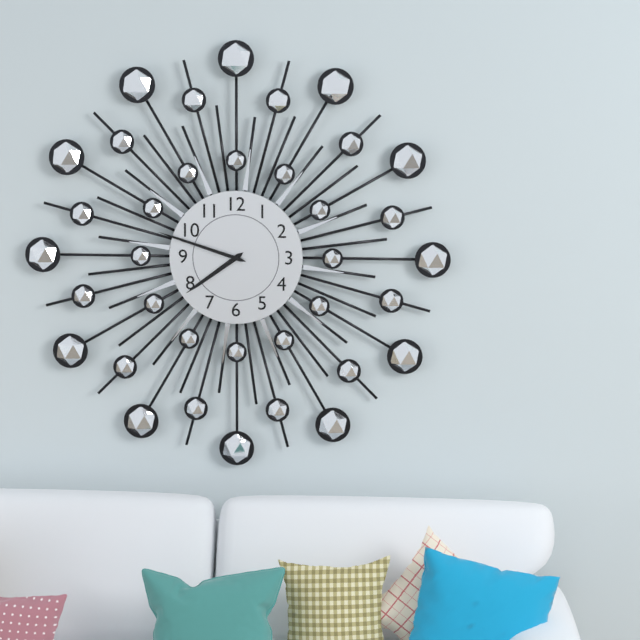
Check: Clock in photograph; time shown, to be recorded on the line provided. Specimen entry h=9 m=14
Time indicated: h=7 m=48
